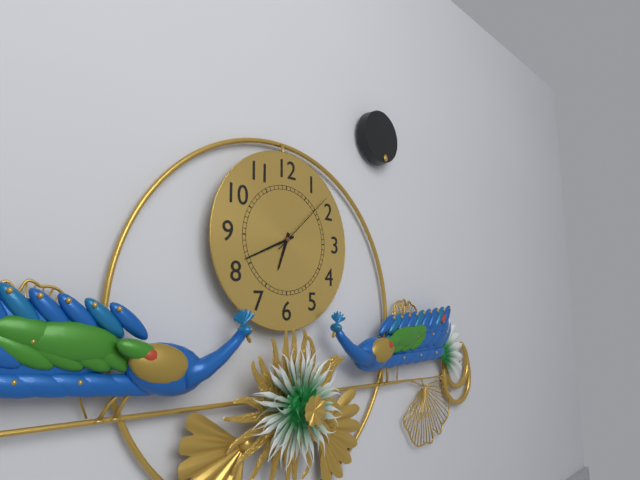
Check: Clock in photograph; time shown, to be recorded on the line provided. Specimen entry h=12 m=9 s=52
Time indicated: h=6 m=41 s=8
